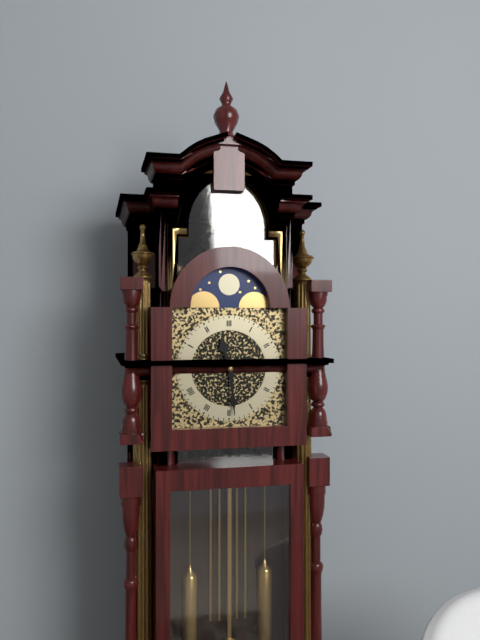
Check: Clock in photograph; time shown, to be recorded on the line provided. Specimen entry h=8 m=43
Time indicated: h=11 m=29
